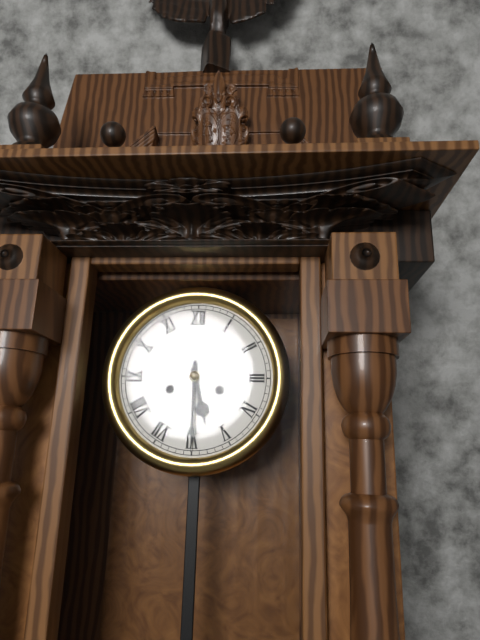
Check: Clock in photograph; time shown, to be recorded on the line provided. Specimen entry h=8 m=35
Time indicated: h=5 m=30
